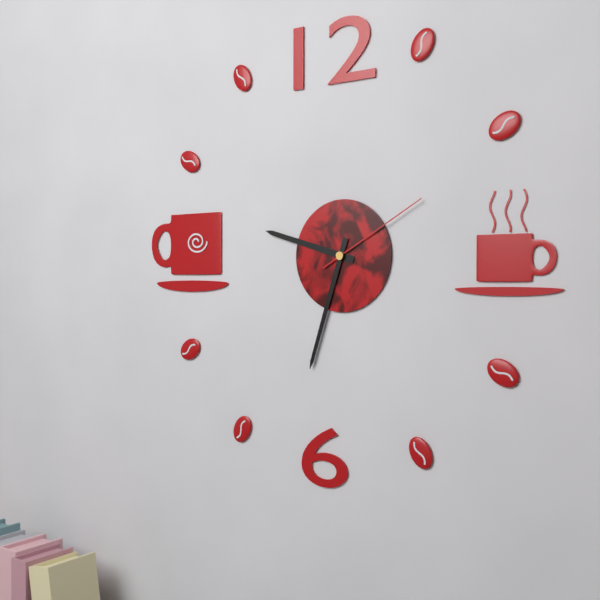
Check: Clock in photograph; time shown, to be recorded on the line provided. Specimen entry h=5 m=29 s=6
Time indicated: h=9 m=33 s=10
